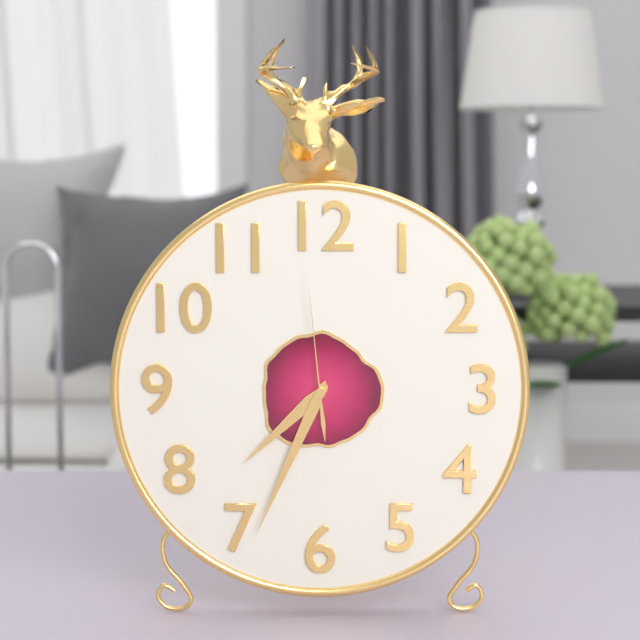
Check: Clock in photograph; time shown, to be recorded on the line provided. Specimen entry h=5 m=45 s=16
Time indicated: h=7 m=34 s=59
